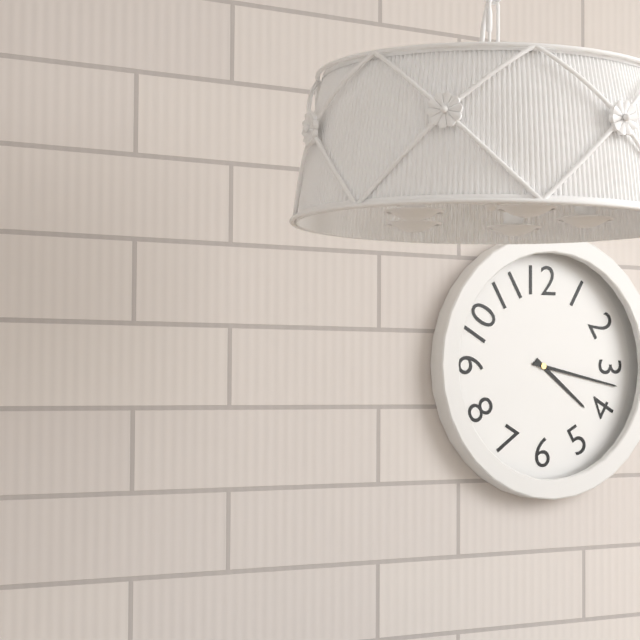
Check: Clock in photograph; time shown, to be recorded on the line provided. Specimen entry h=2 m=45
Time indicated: h=4 m=17
